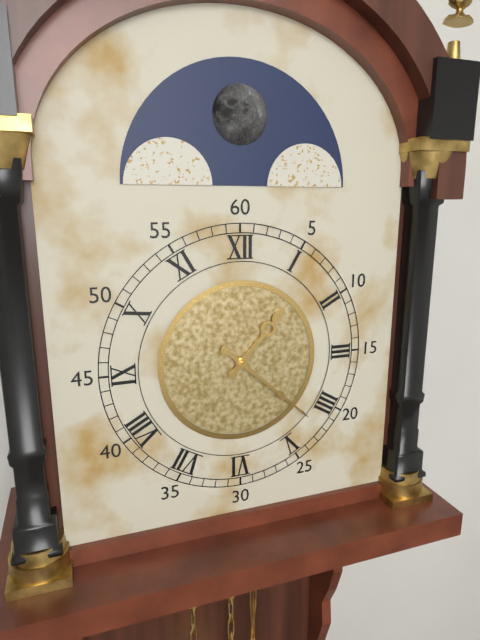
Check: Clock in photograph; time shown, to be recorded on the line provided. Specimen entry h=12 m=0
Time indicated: h=1 m=22
